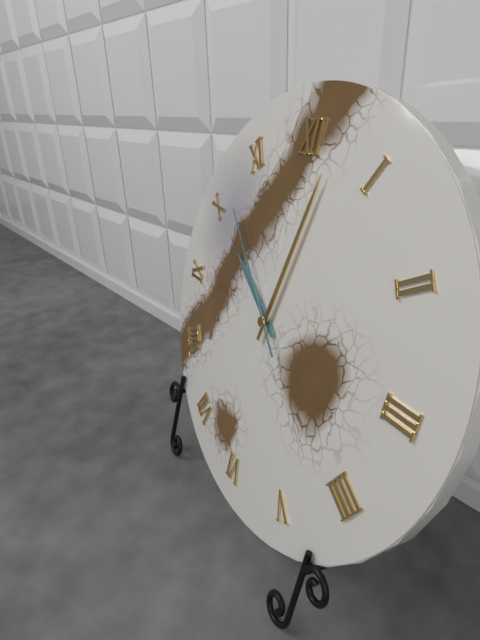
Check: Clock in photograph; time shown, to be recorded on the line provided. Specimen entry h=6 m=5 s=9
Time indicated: h=10 m=2 s=52
